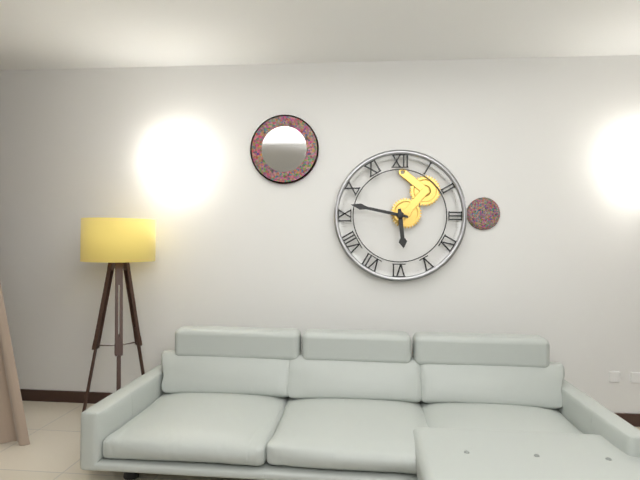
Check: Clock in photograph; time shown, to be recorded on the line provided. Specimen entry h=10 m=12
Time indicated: h=5 m=47
